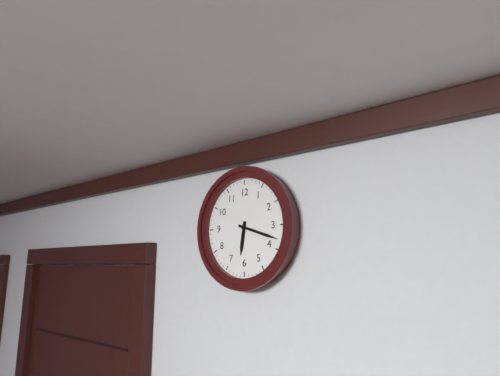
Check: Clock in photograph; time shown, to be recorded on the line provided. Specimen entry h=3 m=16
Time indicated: h=6 m=18
